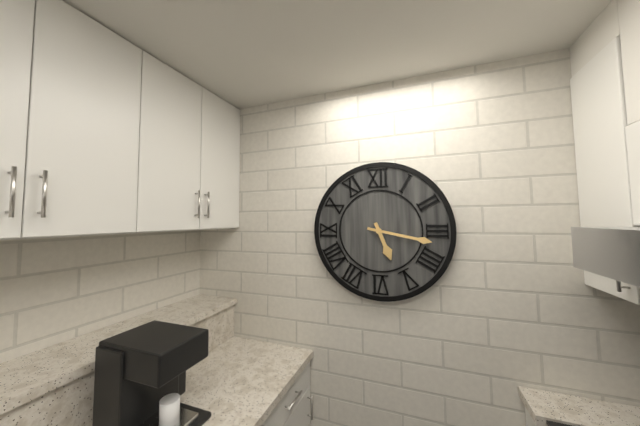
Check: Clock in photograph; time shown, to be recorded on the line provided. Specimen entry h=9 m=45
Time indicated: h=5 m=17
